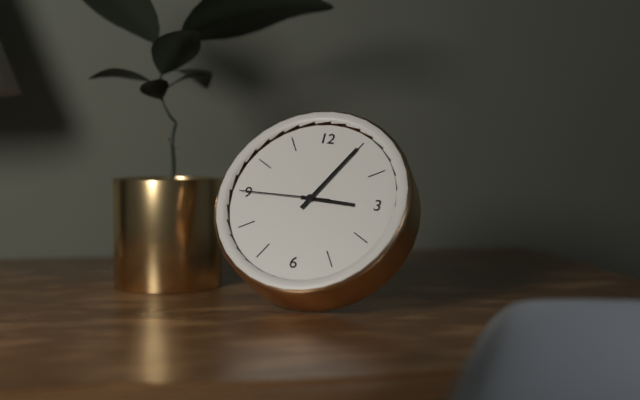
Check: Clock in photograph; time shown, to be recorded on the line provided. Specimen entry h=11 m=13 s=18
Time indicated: h=3 m=5 s=45
